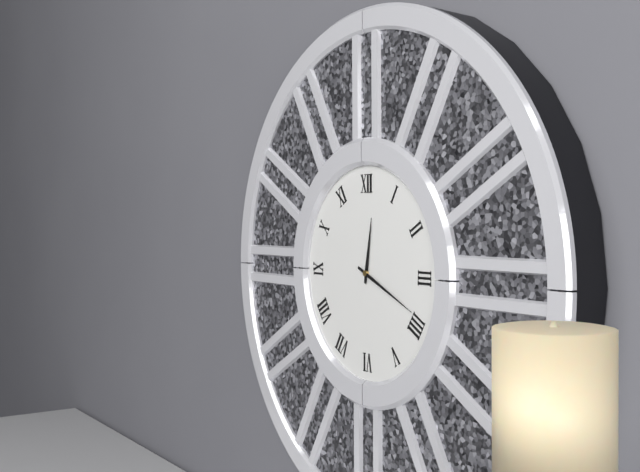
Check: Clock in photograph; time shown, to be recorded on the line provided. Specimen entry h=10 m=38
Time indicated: h=12 m=19
